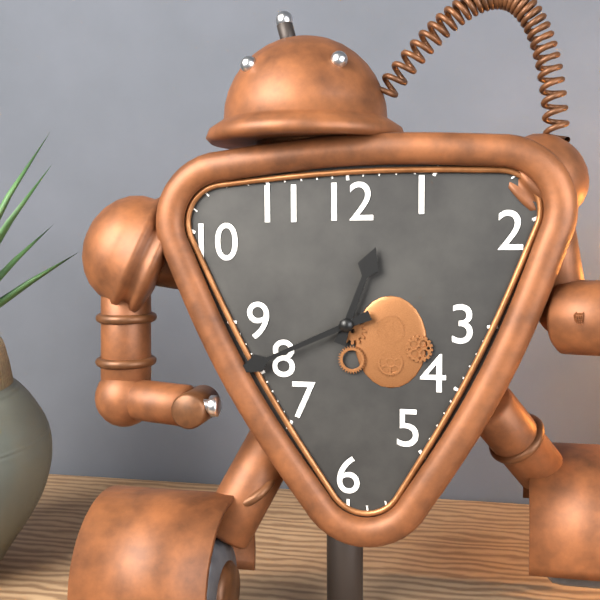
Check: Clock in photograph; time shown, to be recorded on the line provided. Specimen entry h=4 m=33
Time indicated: h=12 m=41
